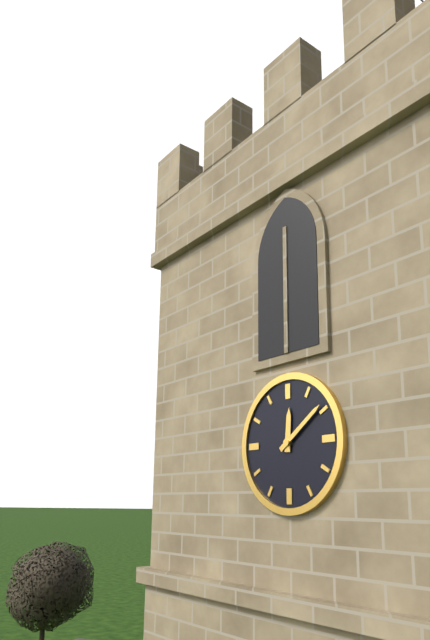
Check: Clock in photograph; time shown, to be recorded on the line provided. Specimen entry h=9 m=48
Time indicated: h=12 m=9
